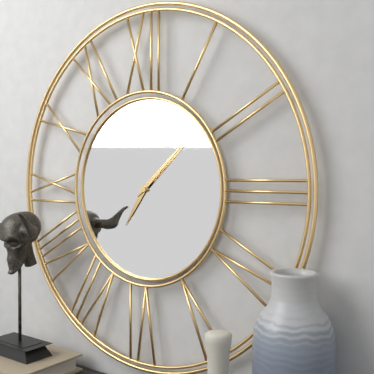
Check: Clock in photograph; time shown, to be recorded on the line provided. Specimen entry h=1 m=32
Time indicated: h=7 m=8
